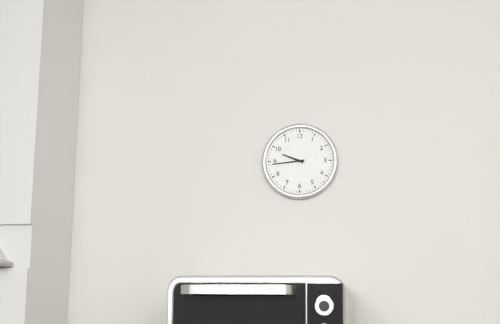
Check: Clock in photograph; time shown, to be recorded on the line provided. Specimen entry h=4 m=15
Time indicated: h=9 m=44
